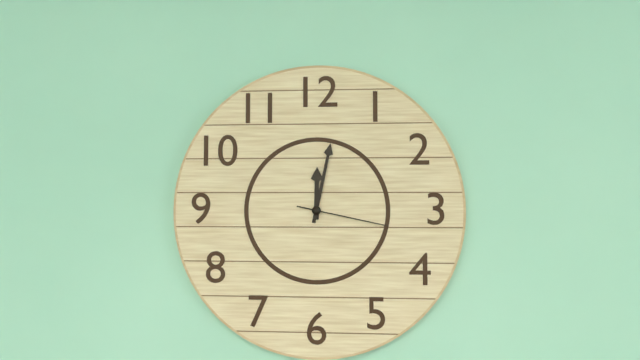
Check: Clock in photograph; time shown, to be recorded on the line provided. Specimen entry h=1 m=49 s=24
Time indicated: h=12 m=2 s=17
